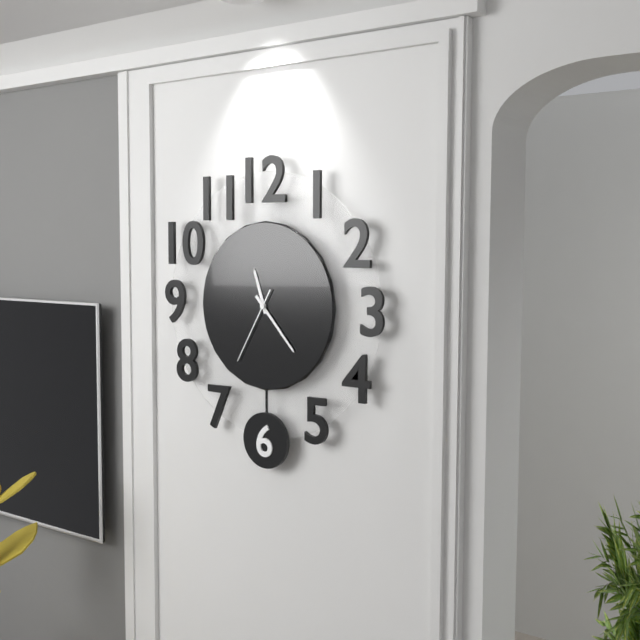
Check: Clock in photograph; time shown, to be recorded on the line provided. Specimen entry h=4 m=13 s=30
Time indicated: h=11 m=23 s=35
